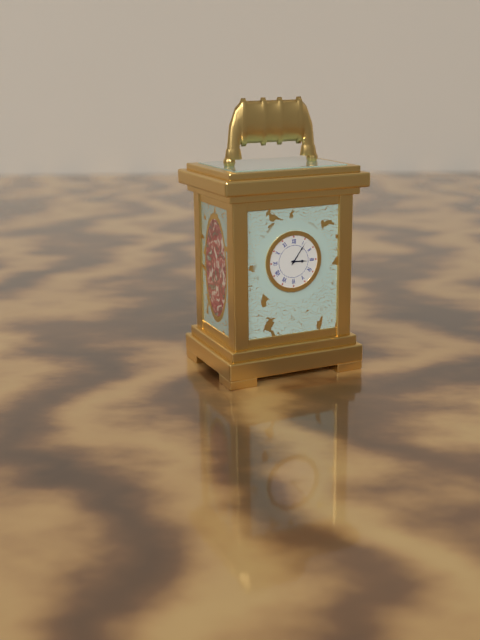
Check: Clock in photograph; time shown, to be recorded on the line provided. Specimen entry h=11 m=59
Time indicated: h=3 m=6
